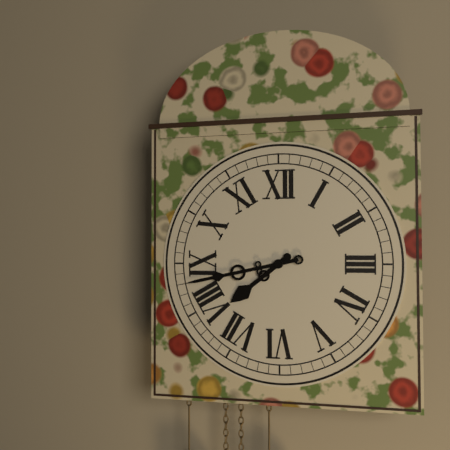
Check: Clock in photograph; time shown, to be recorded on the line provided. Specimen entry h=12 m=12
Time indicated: h=7 m=43
